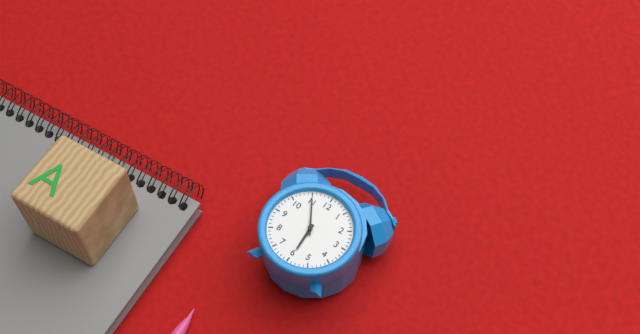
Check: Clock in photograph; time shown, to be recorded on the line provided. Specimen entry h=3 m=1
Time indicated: h=5 m=55
